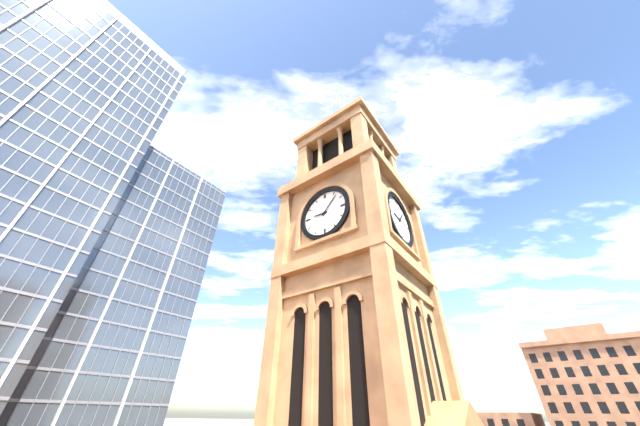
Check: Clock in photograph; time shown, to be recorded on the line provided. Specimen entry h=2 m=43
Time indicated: h=9 m=7
